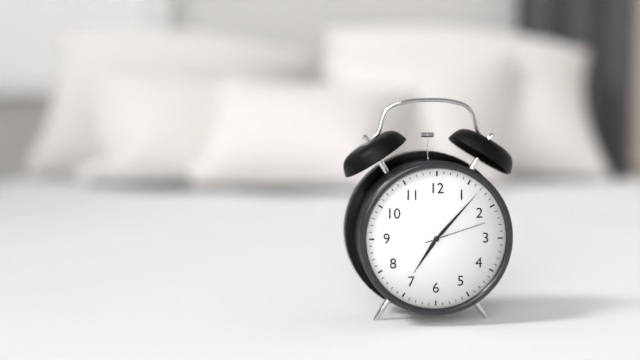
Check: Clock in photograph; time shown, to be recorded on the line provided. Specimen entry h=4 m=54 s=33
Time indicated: h=7 m=7 s=12
